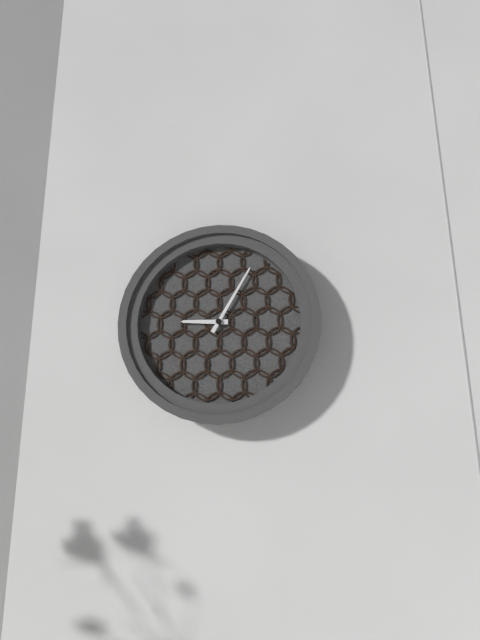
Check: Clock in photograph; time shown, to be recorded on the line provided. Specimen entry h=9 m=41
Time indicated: h=9 m=5
